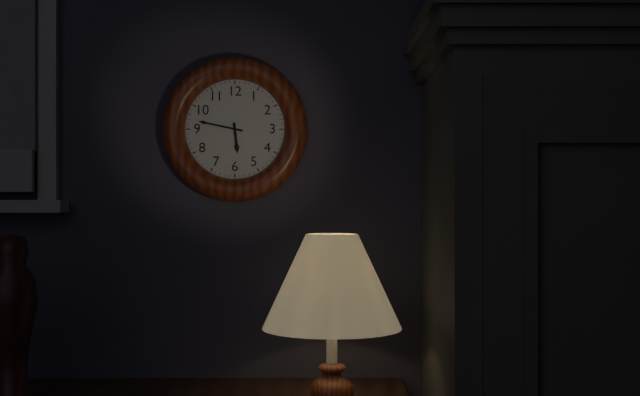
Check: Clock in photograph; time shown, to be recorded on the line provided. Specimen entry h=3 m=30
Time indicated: h=5 m=47
